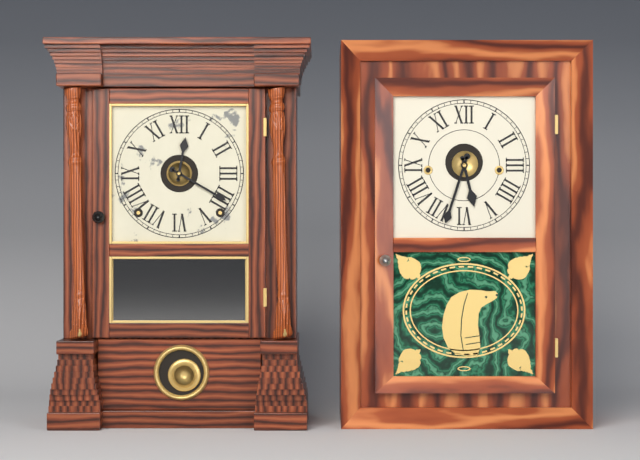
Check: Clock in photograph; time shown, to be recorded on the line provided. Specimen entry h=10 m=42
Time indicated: h=12 m=20
